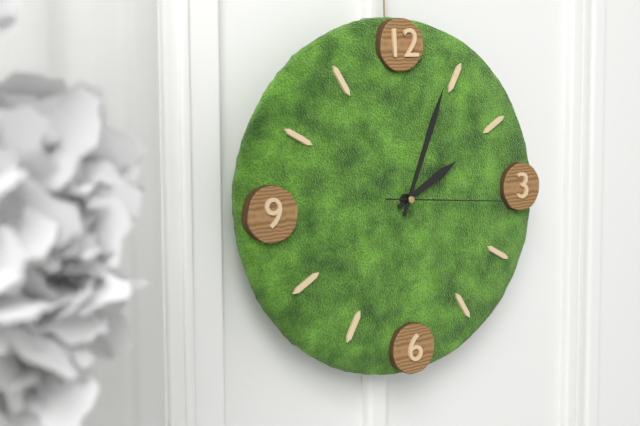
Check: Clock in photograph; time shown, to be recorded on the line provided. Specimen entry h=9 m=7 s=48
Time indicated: h=2 m=4 s=16
